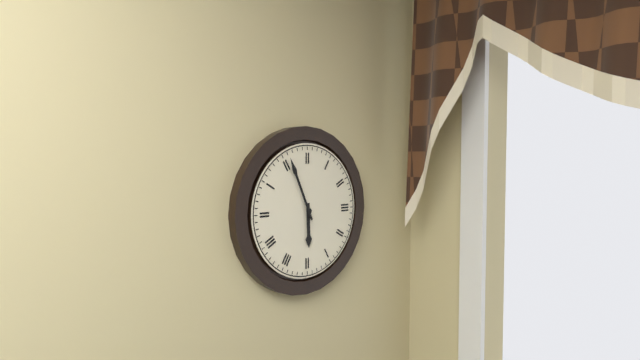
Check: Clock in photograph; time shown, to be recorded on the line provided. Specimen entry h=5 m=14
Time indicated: h=5 m=56
